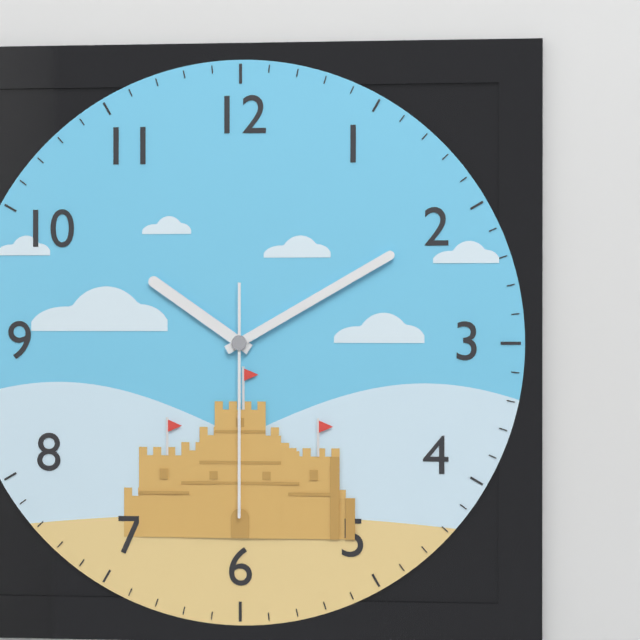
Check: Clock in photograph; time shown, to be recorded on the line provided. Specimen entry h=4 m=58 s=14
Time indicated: h=10 m=10 s=30
